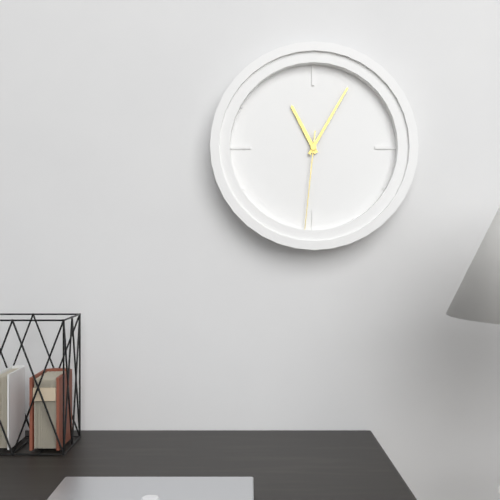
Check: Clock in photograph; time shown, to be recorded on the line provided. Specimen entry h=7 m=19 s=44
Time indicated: h=11 m=5 s=31
